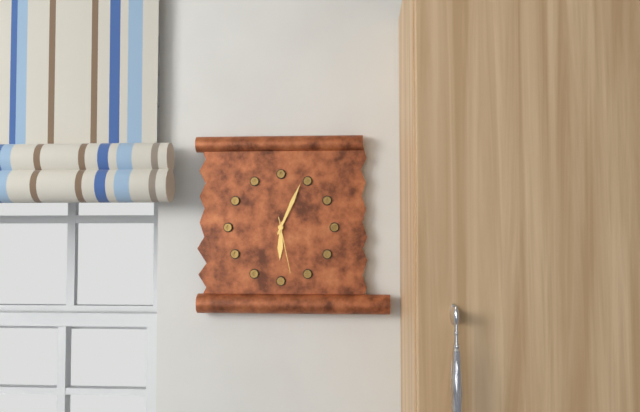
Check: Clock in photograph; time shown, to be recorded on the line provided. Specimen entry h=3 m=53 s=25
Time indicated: h=6 m=4 s=28
